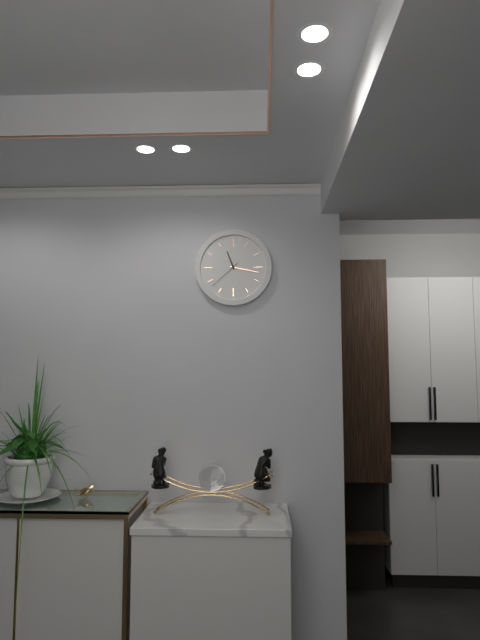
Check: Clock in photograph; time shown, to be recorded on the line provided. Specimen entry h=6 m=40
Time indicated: h=11 m=17
